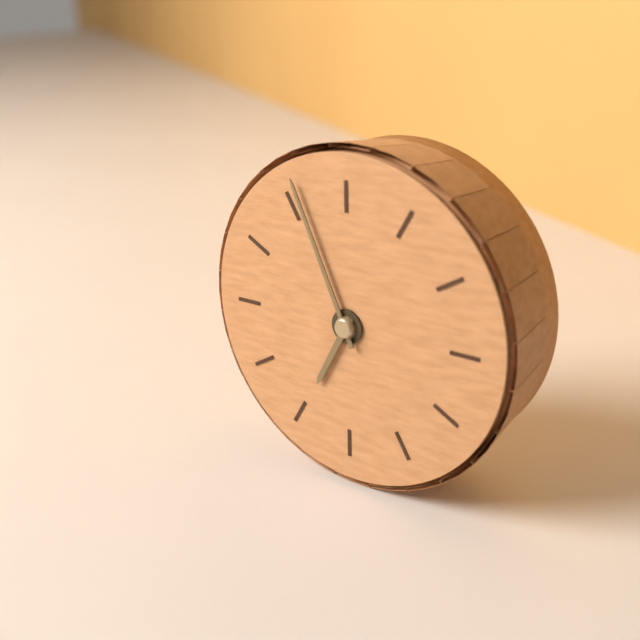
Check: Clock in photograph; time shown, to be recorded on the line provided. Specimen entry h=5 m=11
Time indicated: h=6 m=56
